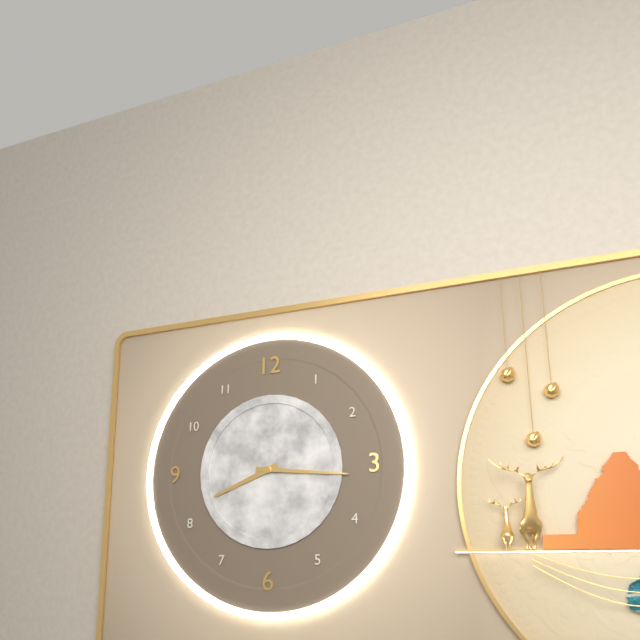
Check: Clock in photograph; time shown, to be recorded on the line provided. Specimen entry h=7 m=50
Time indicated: h=8 m=16
